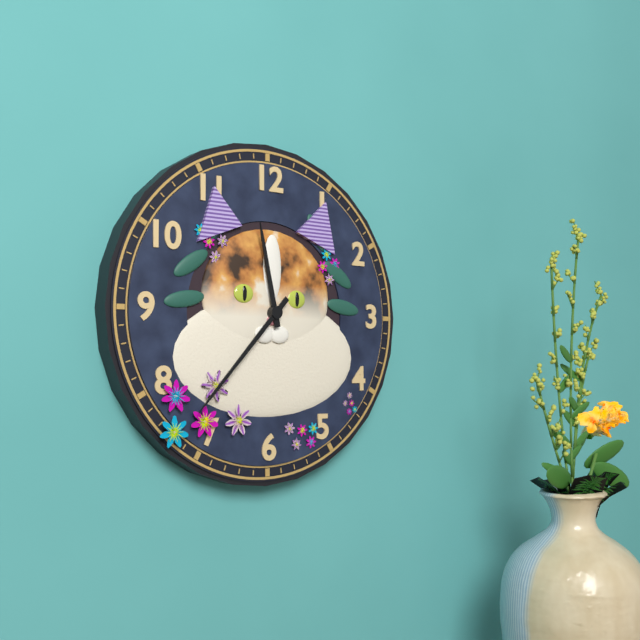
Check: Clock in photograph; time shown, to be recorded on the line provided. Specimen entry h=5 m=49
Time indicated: h=11 m=37
